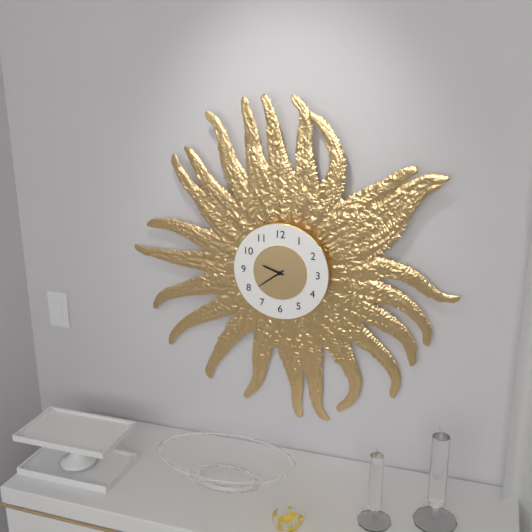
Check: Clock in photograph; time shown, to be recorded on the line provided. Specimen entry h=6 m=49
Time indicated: h=9 m=39
